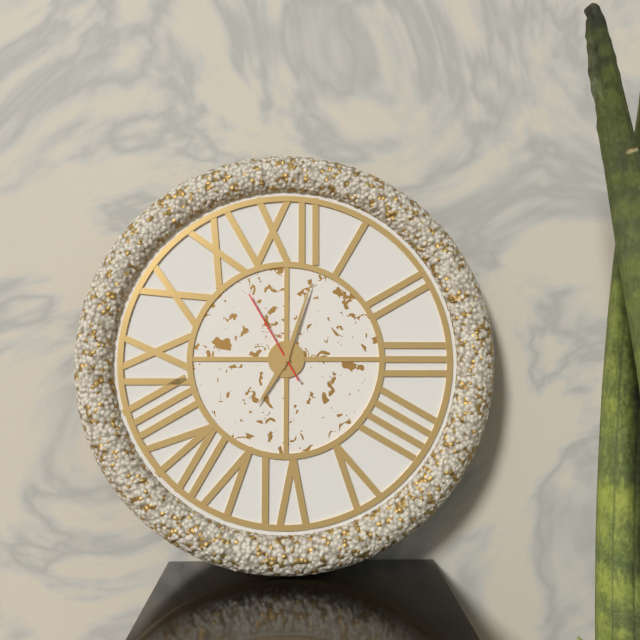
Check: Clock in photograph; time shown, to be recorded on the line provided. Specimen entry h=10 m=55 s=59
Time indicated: h=7 m=3 s=55
